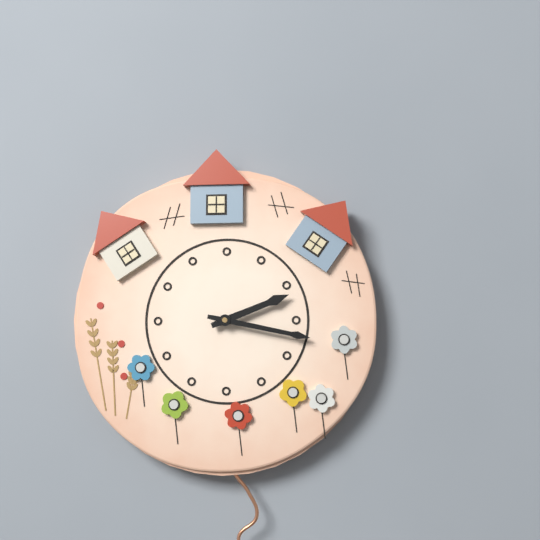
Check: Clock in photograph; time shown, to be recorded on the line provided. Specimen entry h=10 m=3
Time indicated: h=2 m=17
